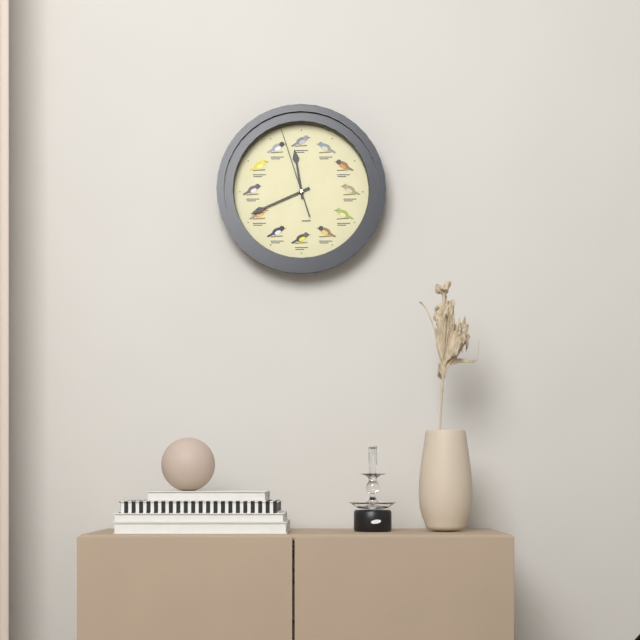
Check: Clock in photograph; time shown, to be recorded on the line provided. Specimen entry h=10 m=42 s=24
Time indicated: h=11 m=41 s=57
